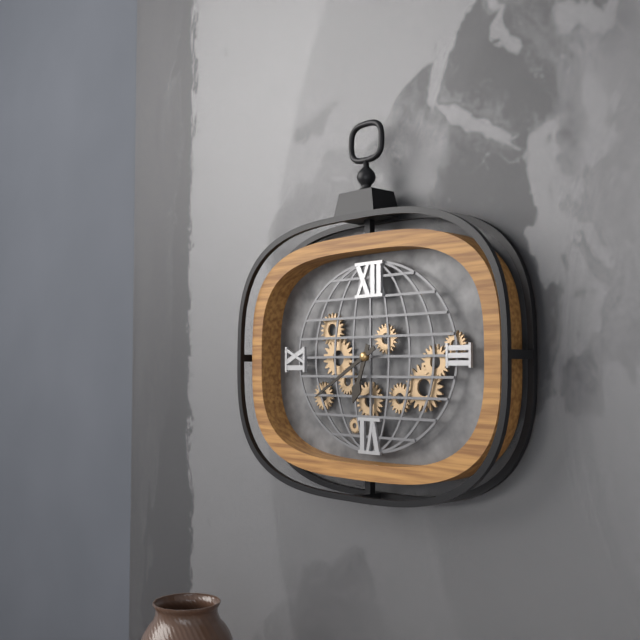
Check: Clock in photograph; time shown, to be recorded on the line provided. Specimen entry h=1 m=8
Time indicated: h=6 m=40
